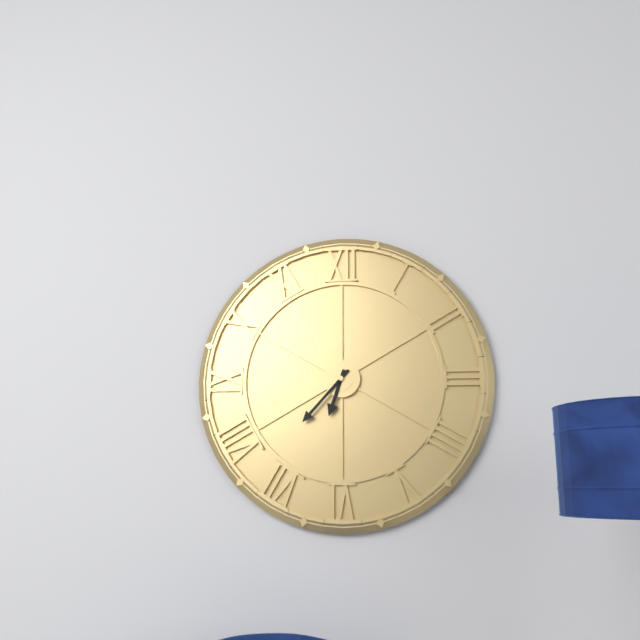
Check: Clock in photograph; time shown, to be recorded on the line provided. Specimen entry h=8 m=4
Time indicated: h=6 m=37
